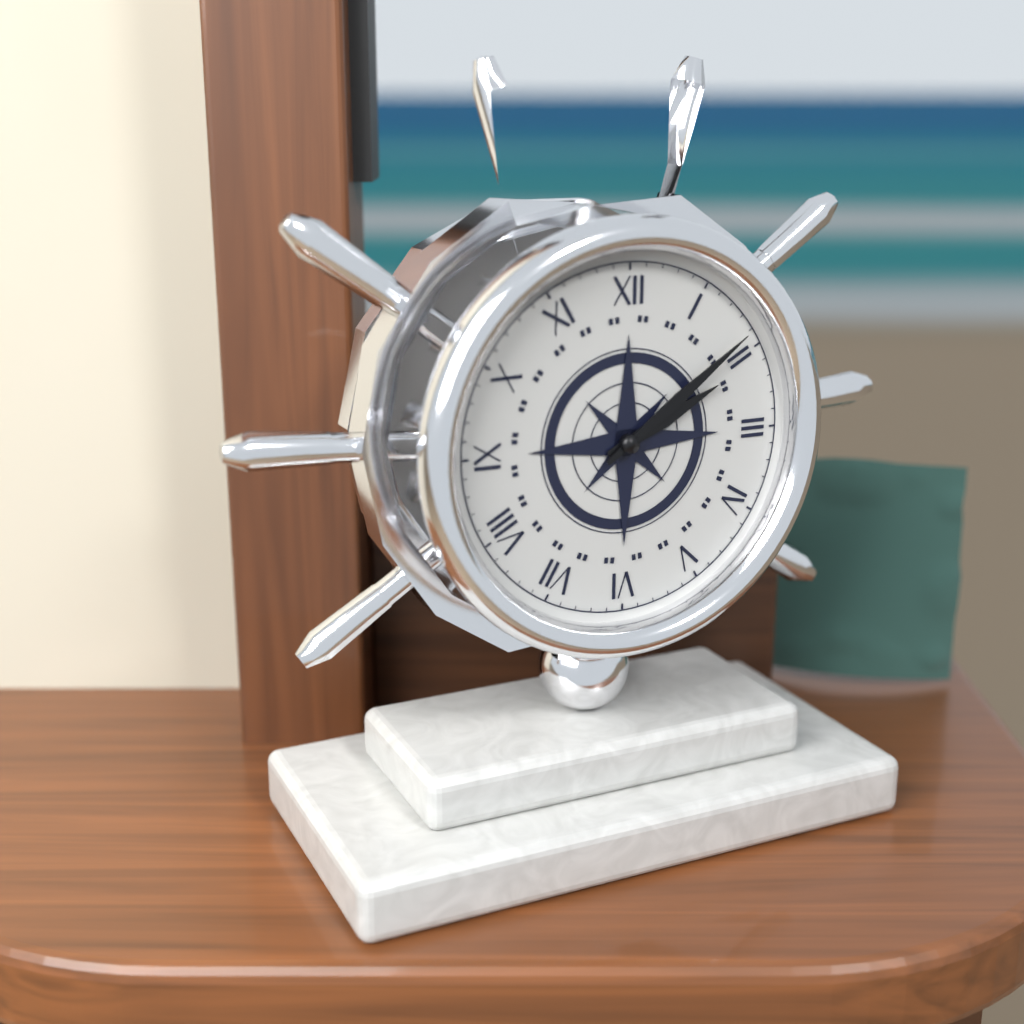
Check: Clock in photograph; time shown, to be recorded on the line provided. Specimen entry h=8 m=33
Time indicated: h=2 m=9
